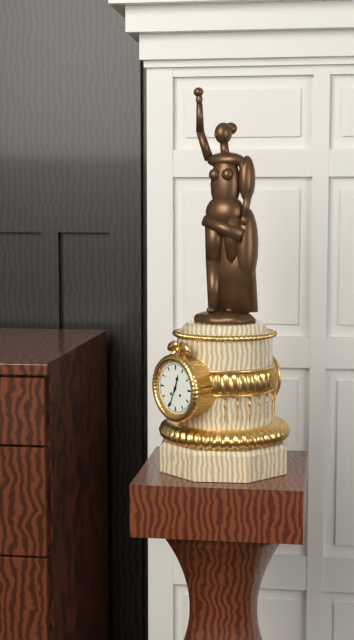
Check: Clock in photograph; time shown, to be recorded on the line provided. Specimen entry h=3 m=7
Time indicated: h=12 m=34
